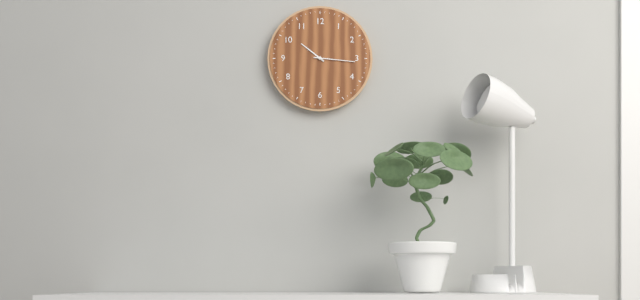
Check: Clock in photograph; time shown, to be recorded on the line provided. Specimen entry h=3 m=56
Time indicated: h=10 m=16
